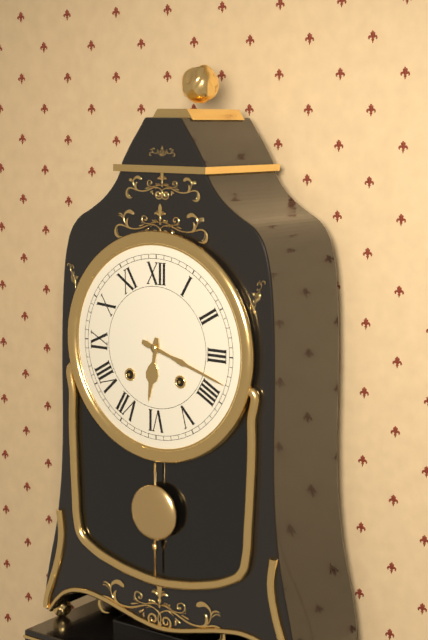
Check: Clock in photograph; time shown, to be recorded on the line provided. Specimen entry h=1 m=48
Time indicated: h=6 m=18
